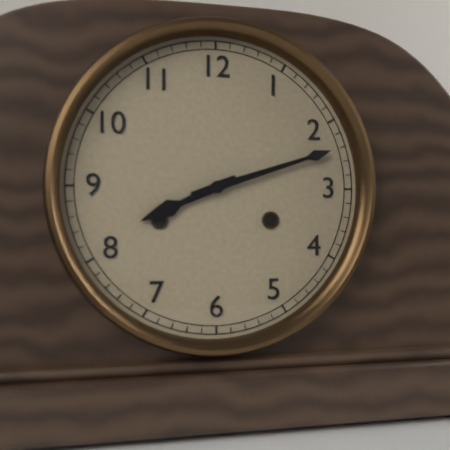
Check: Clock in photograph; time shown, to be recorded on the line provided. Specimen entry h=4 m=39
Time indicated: h=8 m=12
